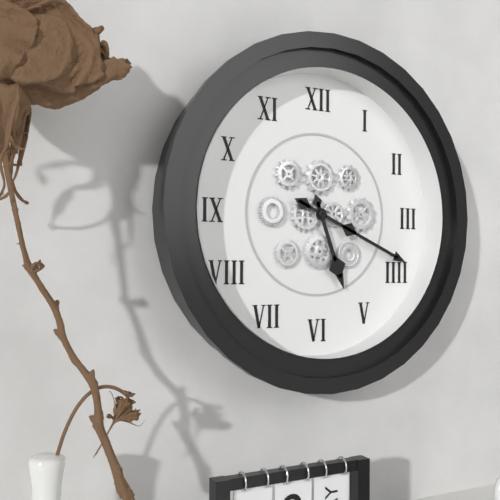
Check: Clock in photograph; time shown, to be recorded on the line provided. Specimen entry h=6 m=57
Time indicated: h=5 m=19
